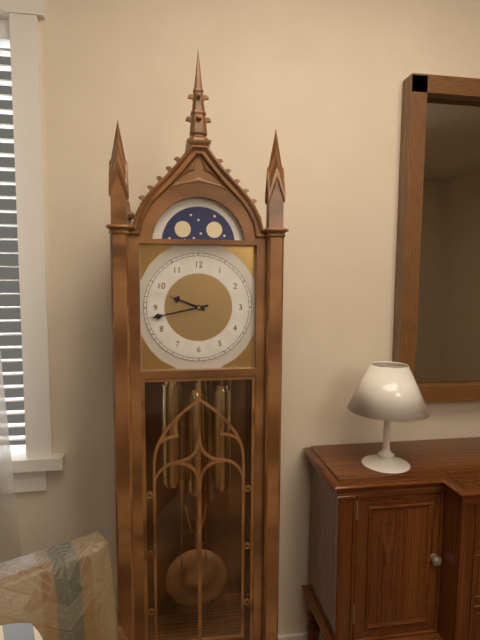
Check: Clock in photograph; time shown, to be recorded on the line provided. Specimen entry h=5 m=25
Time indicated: h=9 m=43
